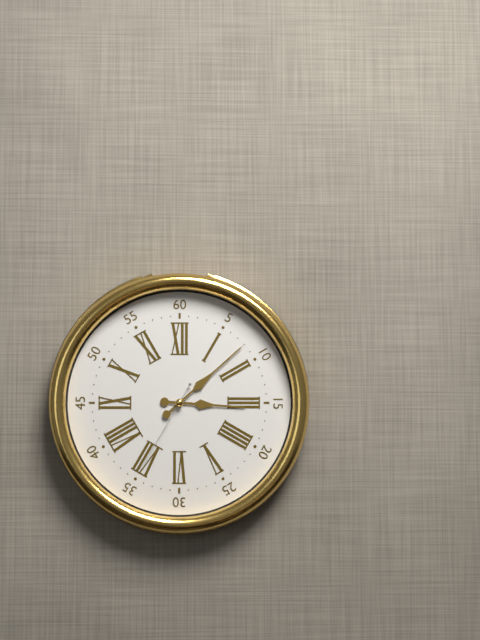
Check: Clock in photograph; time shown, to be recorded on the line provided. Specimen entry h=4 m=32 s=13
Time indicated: h=3 m=8 s=35
